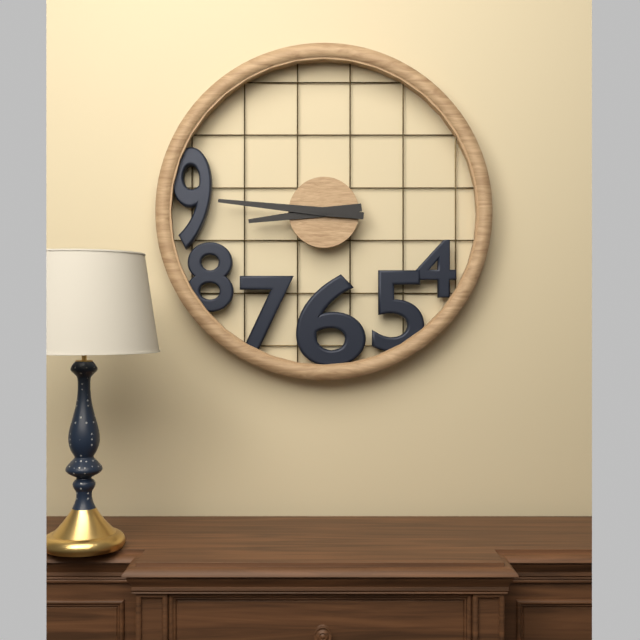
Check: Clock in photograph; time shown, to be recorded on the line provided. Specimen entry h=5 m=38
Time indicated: h=8 m=46
